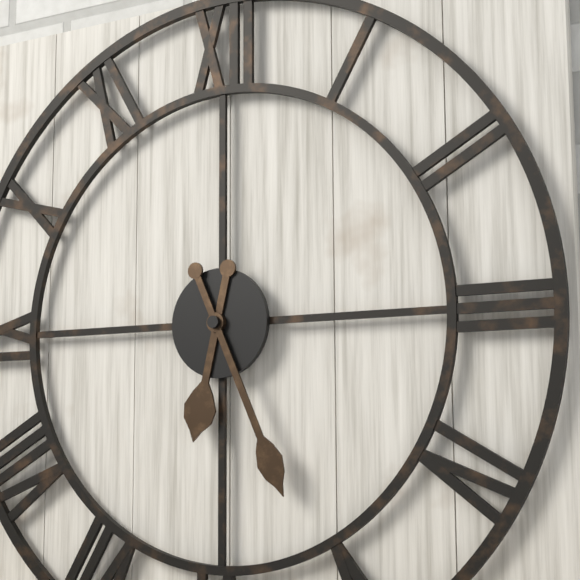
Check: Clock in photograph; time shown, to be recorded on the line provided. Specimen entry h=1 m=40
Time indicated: h=6 m=26
